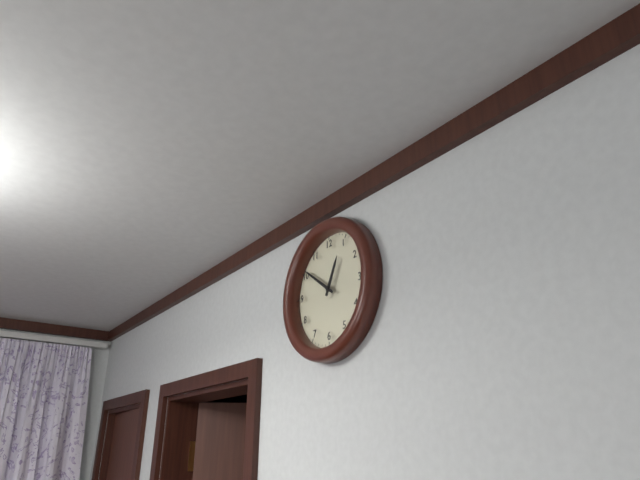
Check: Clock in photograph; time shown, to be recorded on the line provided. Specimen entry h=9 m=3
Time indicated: h=12 m=51
